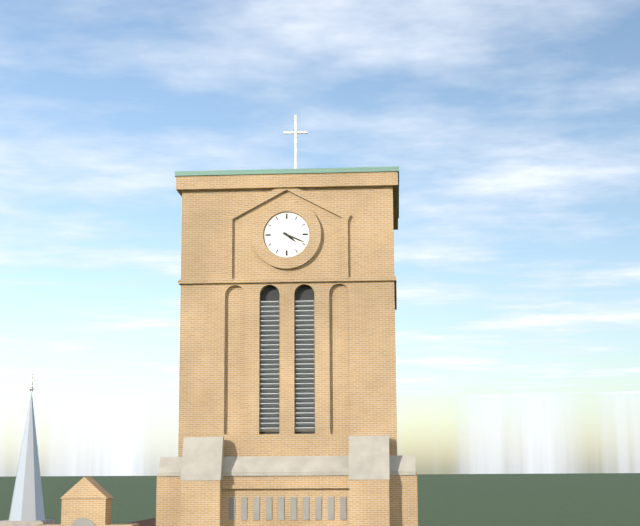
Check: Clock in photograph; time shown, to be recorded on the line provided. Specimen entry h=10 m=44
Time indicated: h=4 m=19
